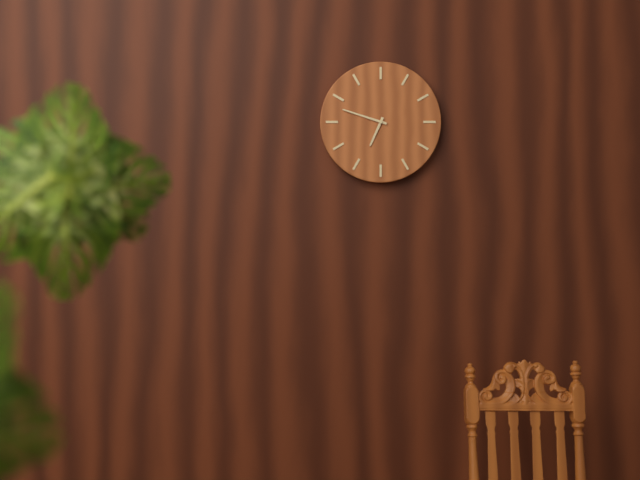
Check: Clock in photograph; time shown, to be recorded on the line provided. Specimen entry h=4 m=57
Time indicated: h=6 m=48
